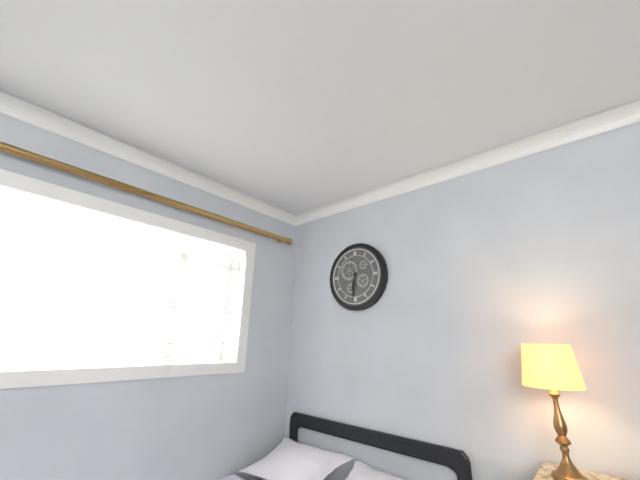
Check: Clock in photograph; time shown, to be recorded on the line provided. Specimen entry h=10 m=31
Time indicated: h=6 m=31
